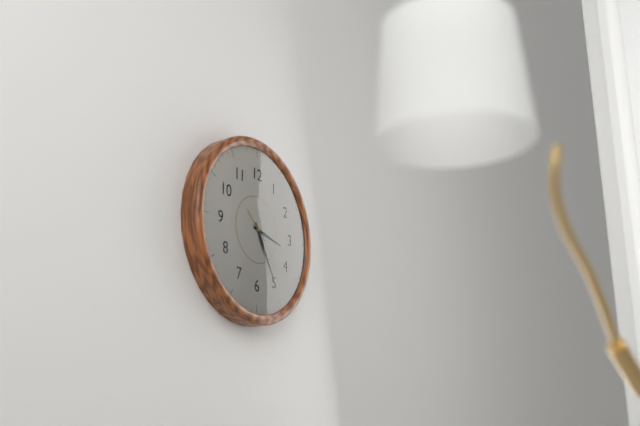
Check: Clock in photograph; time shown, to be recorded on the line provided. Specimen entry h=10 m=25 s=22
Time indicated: h=3 m=25 s=22
